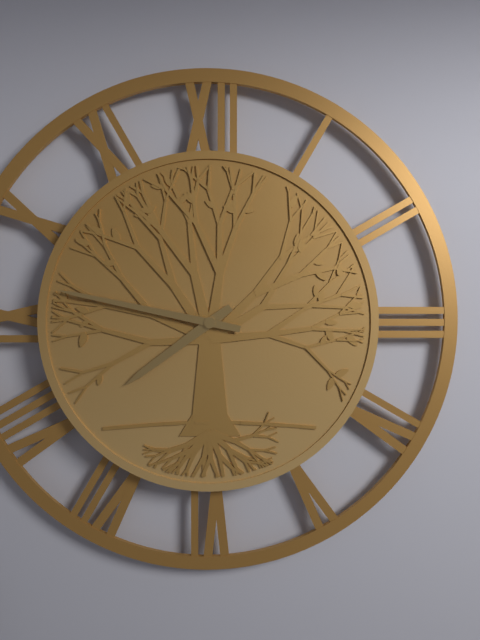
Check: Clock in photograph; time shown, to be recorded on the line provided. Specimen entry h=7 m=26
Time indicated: h=7 m=47
